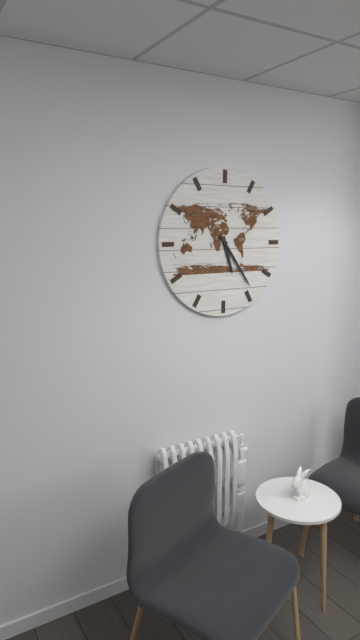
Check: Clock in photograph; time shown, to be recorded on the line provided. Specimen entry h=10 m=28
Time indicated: h=5 m=24
